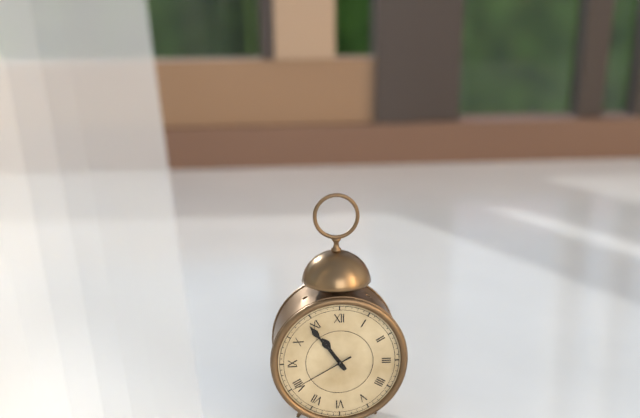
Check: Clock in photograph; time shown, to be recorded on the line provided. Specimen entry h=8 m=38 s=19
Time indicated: h=10 m=54 s=40
